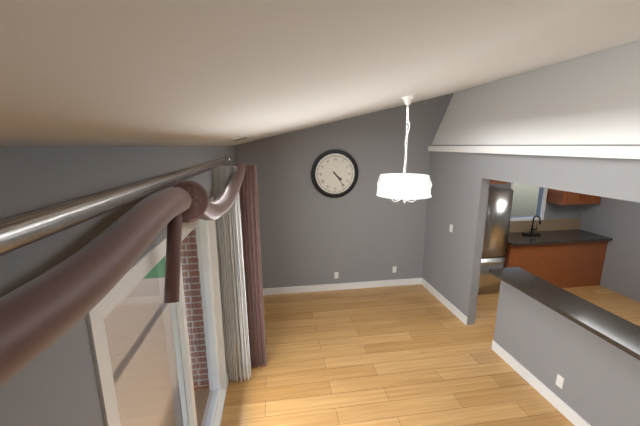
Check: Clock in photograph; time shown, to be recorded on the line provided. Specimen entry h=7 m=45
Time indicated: h=4 m=24
